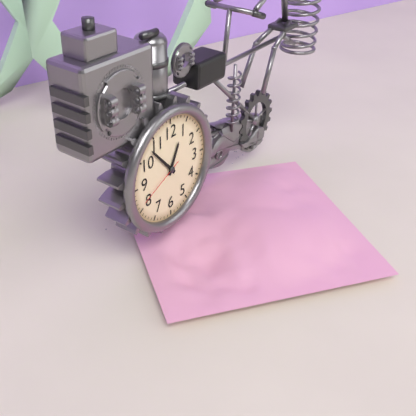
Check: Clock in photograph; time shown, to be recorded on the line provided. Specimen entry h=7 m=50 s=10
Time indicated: h=12 m=53 s=41
